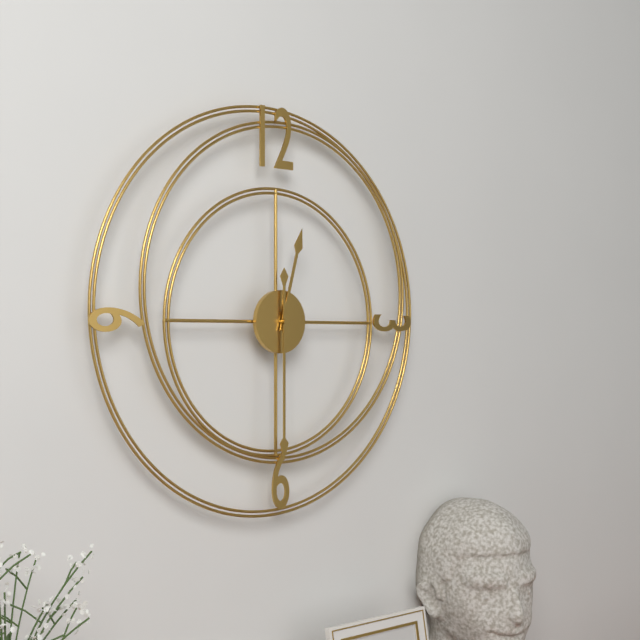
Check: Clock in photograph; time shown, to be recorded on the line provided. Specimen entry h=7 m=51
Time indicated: h=12 m=30
